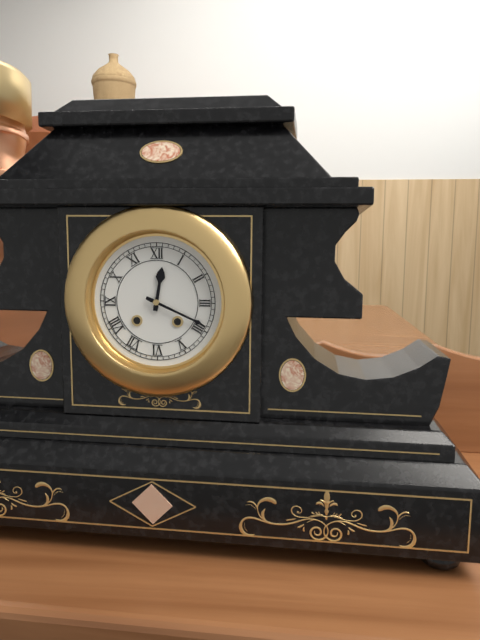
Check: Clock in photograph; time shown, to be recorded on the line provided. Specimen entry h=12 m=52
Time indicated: h=12 m=19
